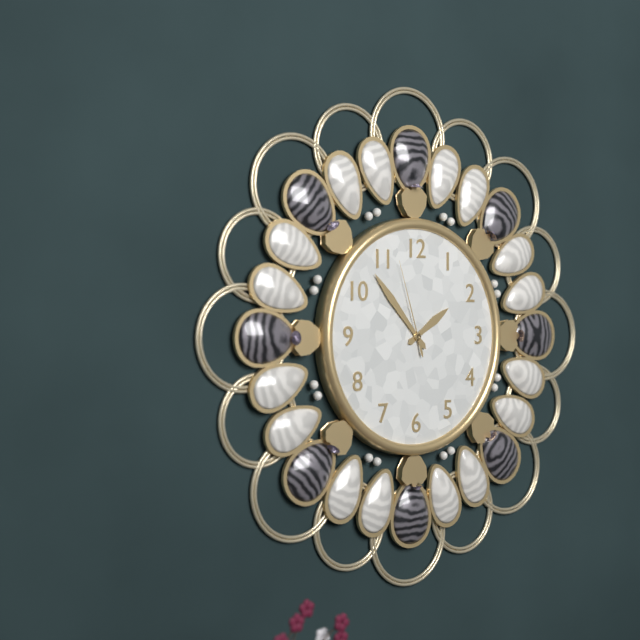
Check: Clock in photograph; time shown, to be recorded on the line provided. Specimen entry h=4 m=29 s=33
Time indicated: h=1 m=53 s=57
